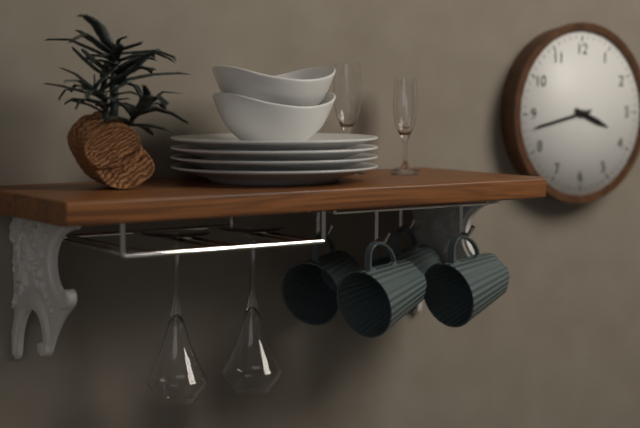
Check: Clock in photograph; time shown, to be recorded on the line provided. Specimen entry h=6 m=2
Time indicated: h=3 m=43
